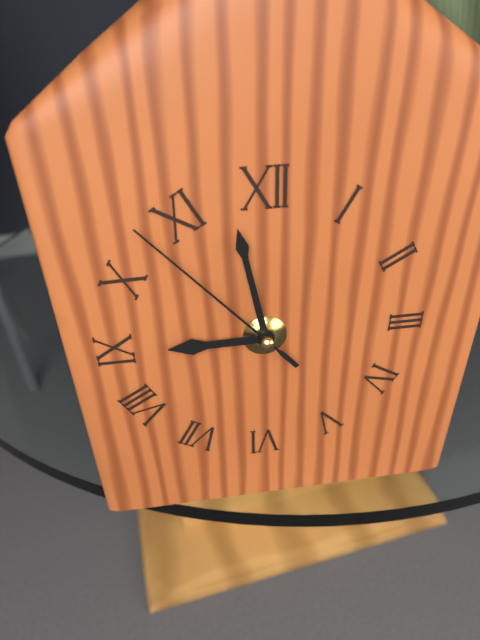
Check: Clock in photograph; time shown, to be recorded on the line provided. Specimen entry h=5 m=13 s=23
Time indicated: h=8 m=58 s=53
